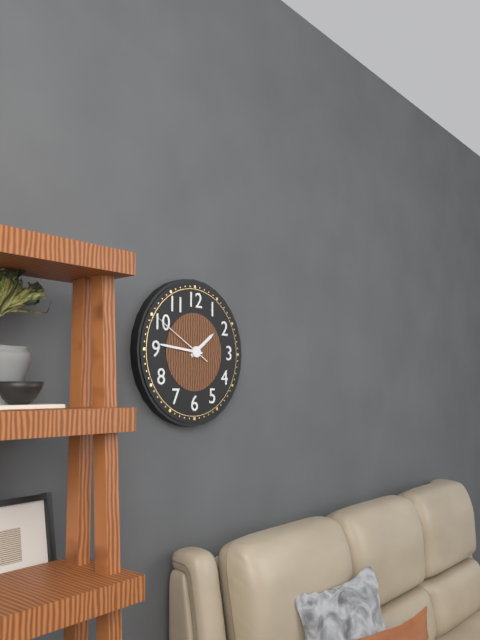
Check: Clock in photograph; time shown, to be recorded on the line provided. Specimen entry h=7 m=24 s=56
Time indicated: h=1 m=46 s=50
